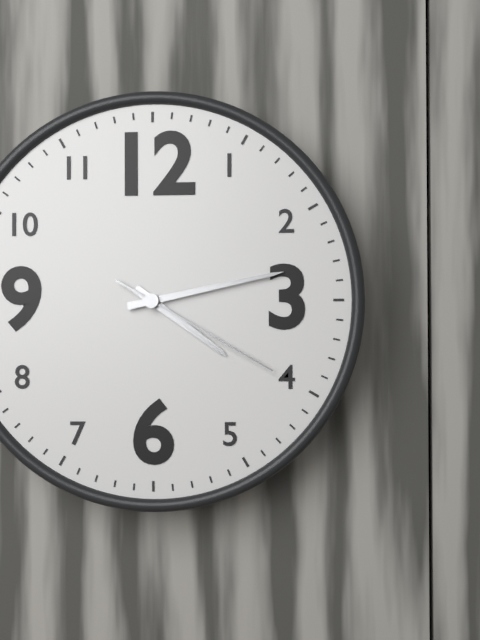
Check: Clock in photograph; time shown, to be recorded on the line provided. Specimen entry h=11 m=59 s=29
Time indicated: h=4 m=13 s=20
